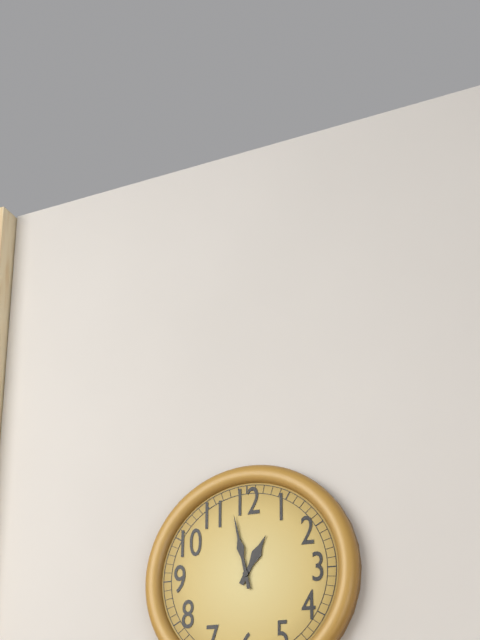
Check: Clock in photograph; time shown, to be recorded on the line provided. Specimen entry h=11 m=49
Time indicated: h=12 m=58
